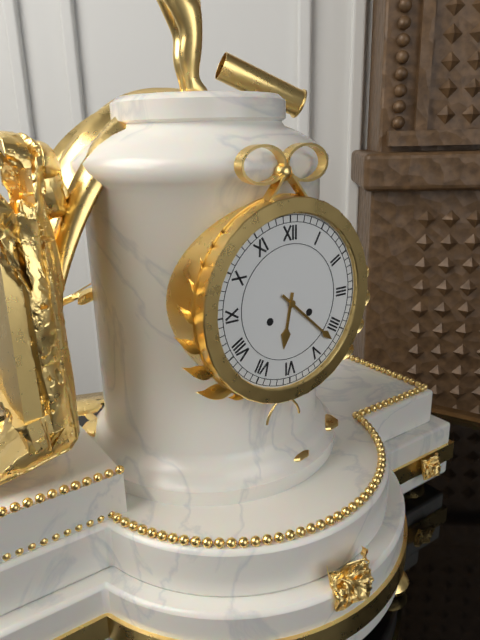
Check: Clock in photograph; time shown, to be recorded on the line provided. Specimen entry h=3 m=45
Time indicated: h=6 m=22
